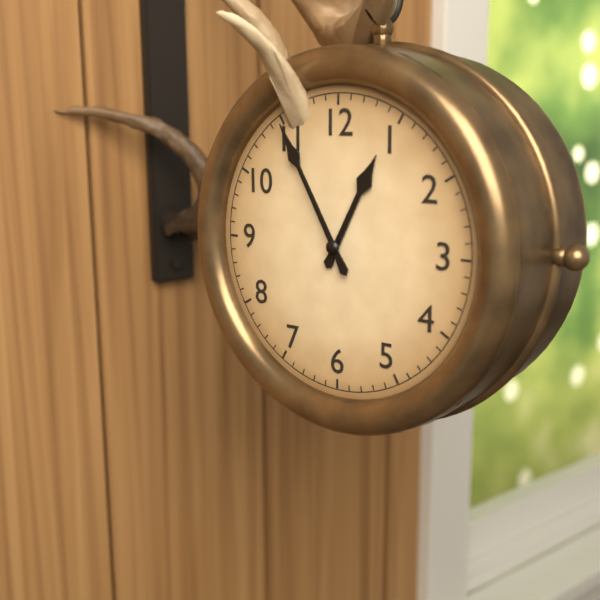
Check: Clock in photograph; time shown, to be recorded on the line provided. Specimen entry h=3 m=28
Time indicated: h=12 m=55
